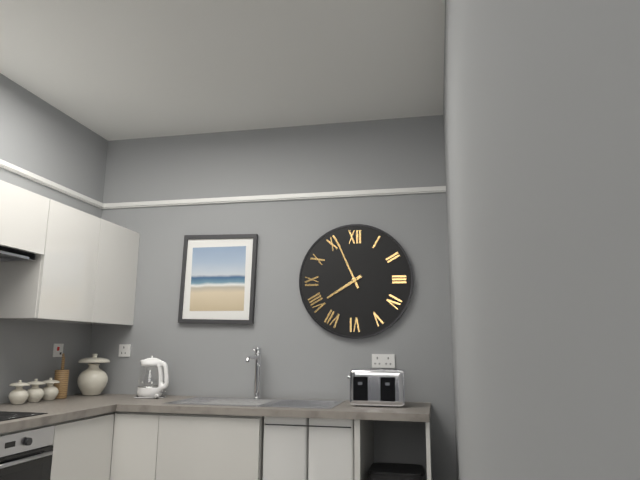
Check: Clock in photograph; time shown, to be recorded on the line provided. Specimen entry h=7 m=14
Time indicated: h=7 m=56
